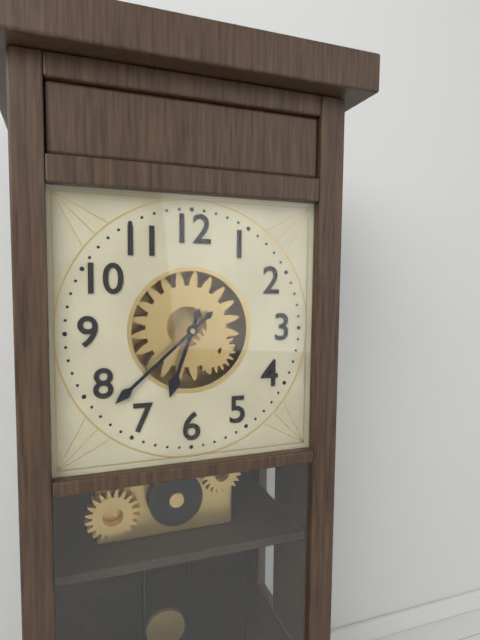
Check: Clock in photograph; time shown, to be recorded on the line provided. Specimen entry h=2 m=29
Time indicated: h=6 m=38
